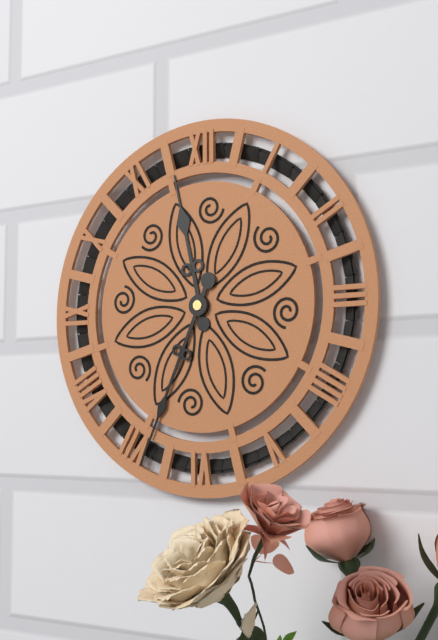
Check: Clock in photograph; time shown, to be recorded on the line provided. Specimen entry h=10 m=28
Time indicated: h=11 m=34
